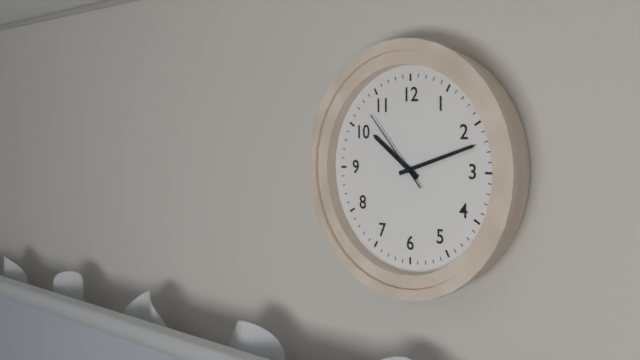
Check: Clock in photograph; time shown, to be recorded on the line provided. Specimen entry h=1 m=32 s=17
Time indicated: h=10 m=12 s=53
